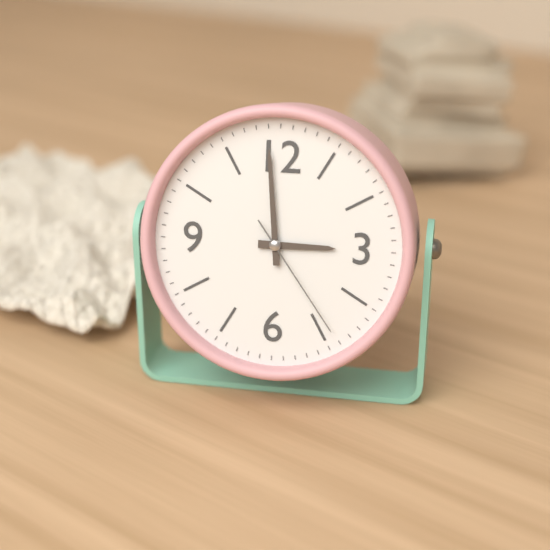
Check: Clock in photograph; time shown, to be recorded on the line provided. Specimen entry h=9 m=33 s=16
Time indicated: h=2 m=59 s=24
